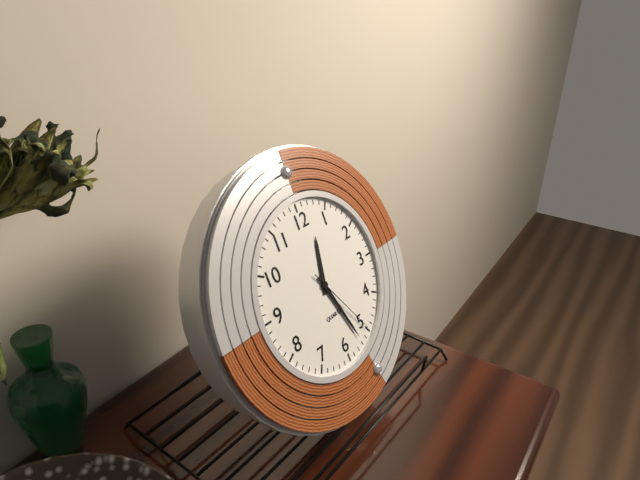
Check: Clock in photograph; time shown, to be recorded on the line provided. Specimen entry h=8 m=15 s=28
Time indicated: h=12 m=27 s=25
